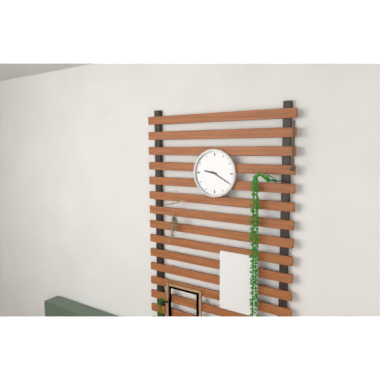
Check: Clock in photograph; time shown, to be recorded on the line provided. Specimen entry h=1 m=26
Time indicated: h=9 m=20
